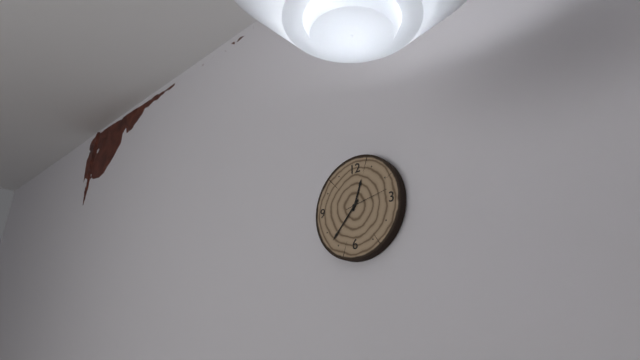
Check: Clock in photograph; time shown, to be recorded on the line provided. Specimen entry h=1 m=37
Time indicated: h=12 m=37
